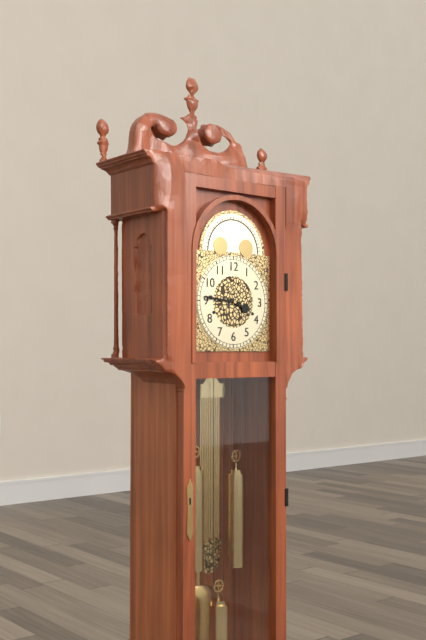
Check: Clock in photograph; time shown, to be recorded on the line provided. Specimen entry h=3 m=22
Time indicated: h=3 m=46
